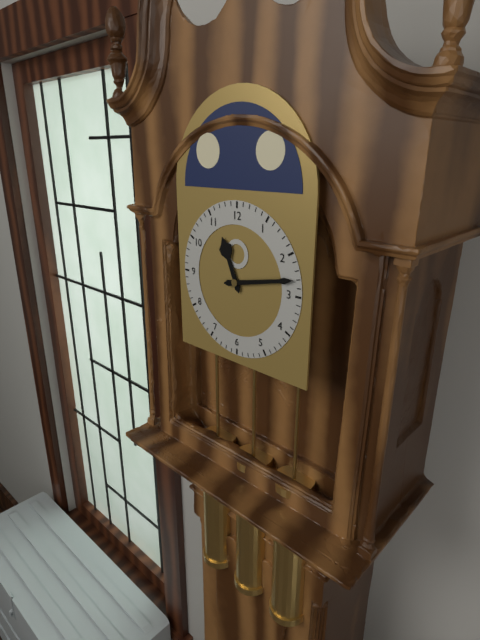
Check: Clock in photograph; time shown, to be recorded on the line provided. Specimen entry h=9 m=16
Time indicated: h=11 m=13
